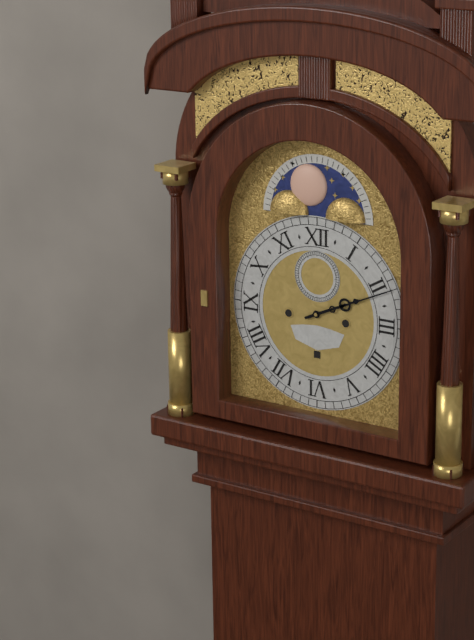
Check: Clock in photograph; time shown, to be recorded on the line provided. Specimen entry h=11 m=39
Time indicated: h=2 m=11
